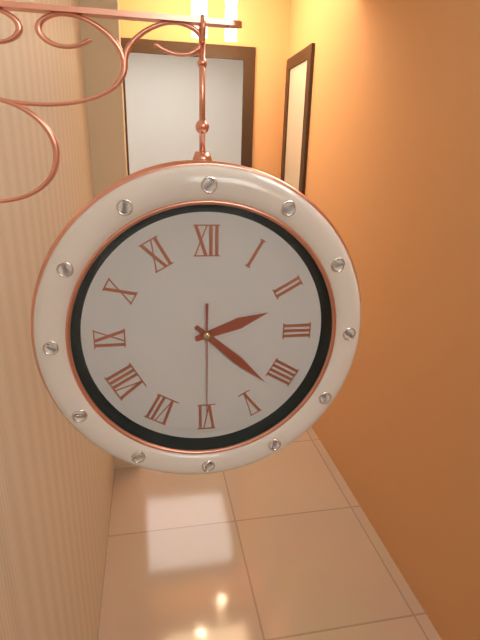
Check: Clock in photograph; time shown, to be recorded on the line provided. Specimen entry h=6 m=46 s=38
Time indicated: h=2 m=22 s=30
